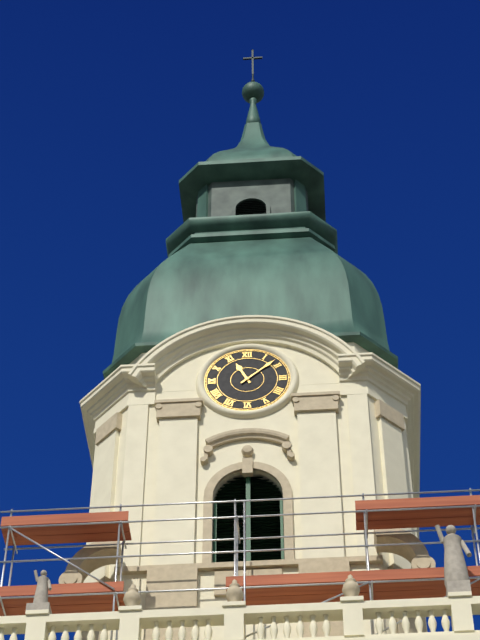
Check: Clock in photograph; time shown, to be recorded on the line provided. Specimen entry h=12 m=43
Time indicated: h=11 m=8
